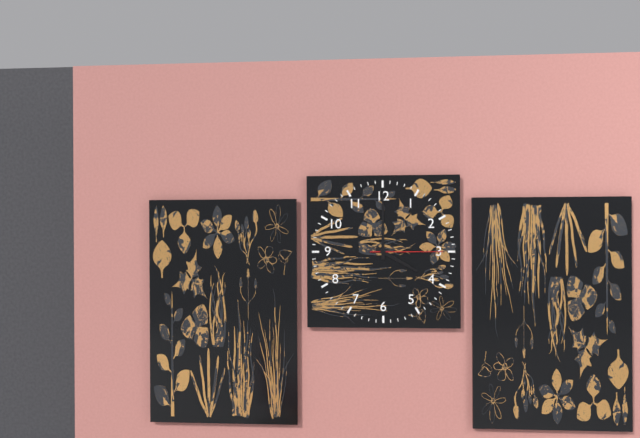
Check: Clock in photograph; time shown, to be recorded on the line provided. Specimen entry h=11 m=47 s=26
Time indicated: h=4 m=0 s=15
